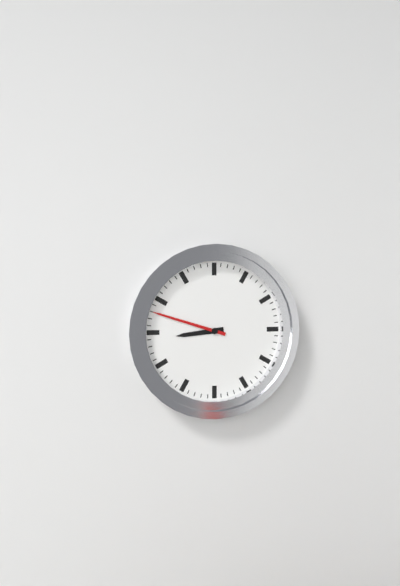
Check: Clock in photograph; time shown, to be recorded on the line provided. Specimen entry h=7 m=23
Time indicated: h=8 m=48
